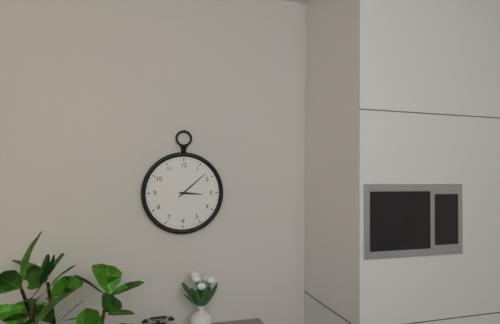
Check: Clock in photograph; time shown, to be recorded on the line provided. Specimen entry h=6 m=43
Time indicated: h=3 m=8
